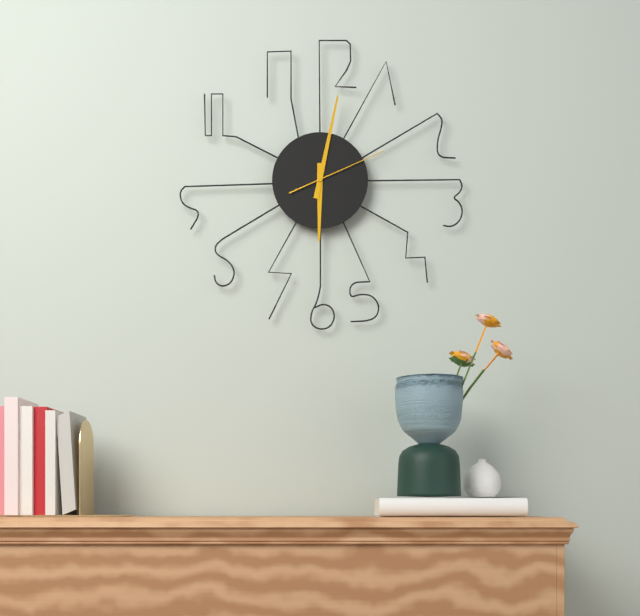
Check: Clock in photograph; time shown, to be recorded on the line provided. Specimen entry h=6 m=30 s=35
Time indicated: h=6 m=2 s=11
